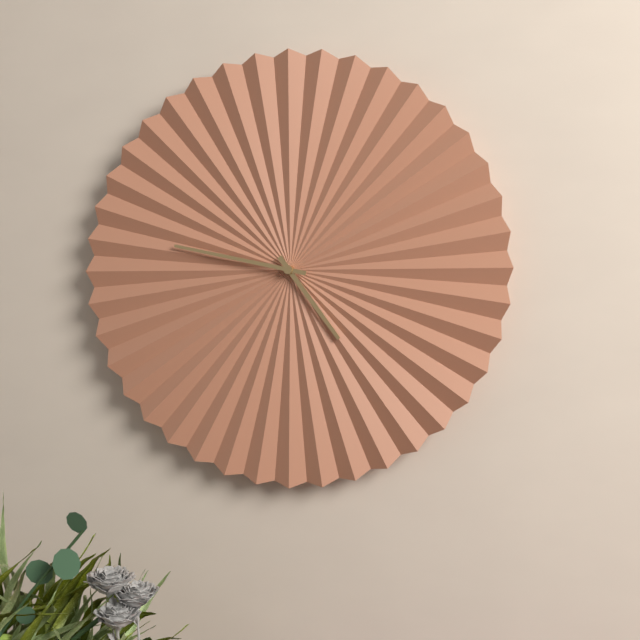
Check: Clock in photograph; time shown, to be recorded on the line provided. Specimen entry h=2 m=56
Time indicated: h=4 m=47
